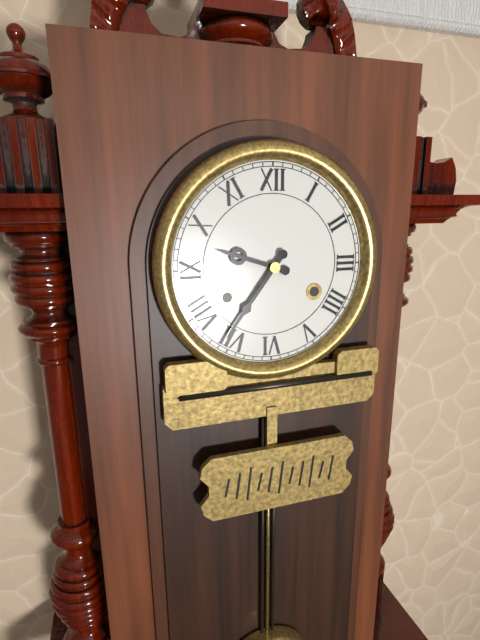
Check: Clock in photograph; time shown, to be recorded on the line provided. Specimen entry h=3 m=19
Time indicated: h=9 m=36
